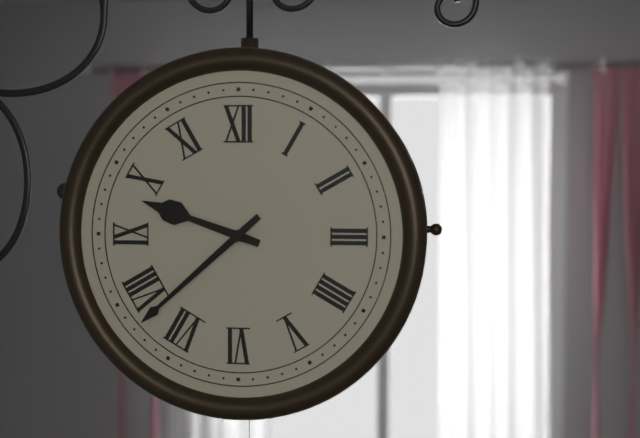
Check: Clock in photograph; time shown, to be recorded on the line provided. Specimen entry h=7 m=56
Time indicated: h=9 m=38
